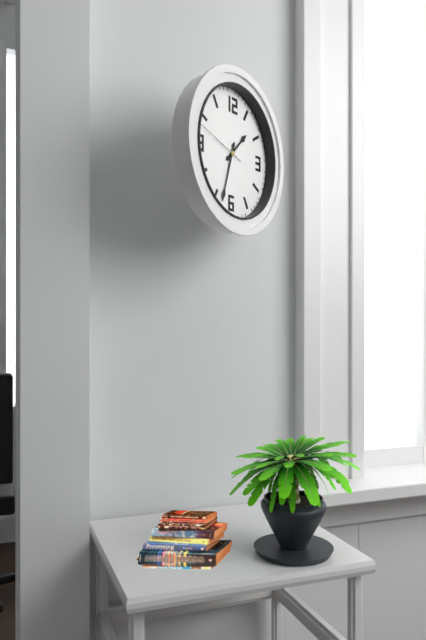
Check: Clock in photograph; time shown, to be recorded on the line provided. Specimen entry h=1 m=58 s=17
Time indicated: h=1 m=33 s=48
